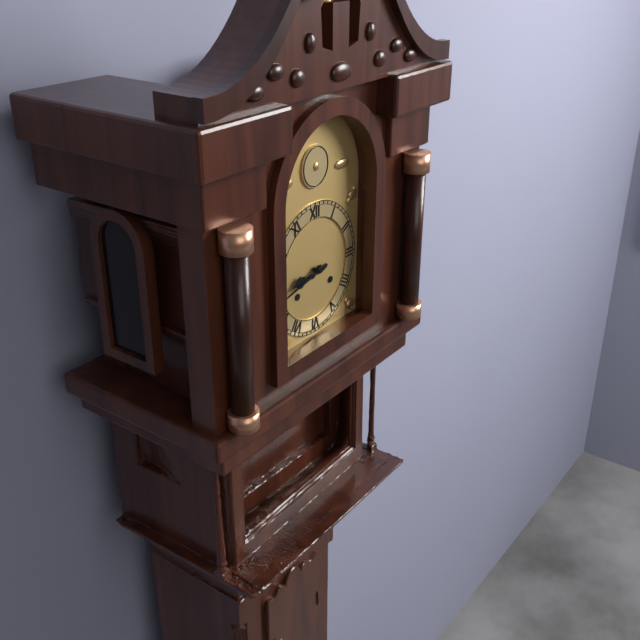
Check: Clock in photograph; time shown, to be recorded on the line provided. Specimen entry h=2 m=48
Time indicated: h=8 m=43
